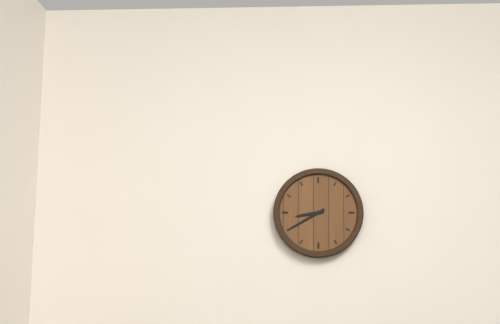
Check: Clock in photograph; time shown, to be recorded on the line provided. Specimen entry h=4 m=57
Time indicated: h=8 m=40
